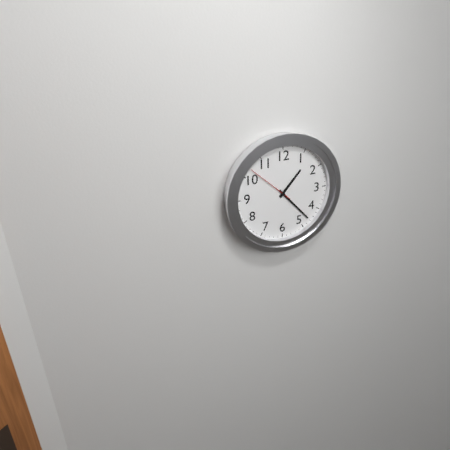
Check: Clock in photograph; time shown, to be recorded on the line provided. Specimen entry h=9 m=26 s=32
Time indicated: h=1 m=23 s=52
